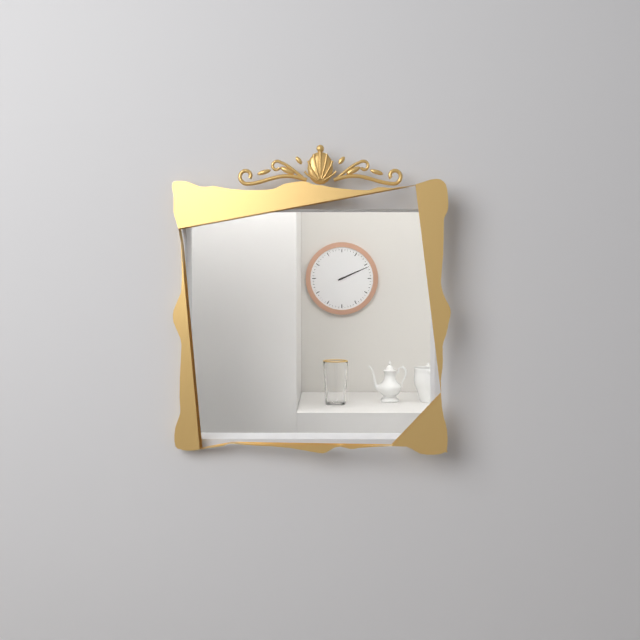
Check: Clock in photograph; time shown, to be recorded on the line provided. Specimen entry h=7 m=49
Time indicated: h=2 m=11
